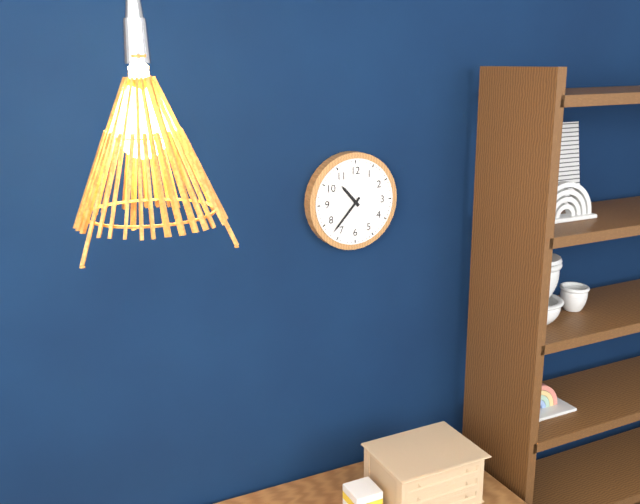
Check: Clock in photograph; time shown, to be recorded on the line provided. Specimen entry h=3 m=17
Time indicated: h=10 m=37
